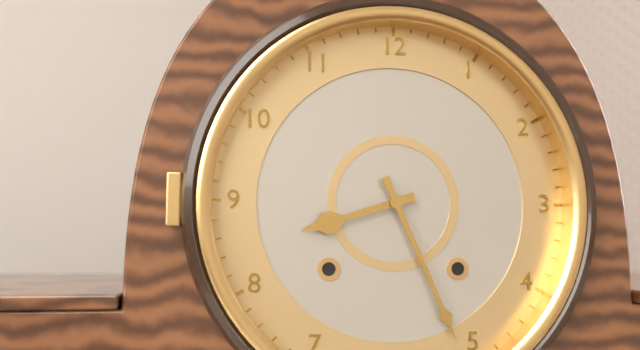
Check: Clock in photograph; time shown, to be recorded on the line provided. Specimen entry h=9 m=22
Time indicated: h=8 m=26
